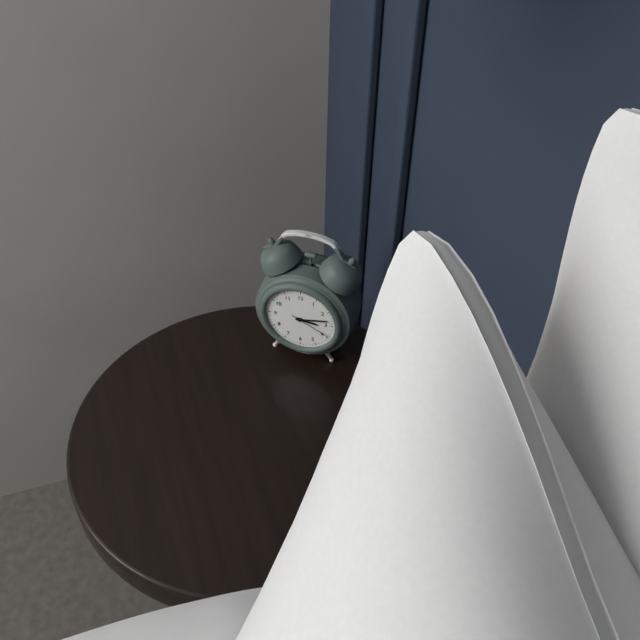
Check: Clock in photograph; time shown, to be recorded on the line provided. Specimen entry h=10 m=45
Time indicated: h=3 m=13
